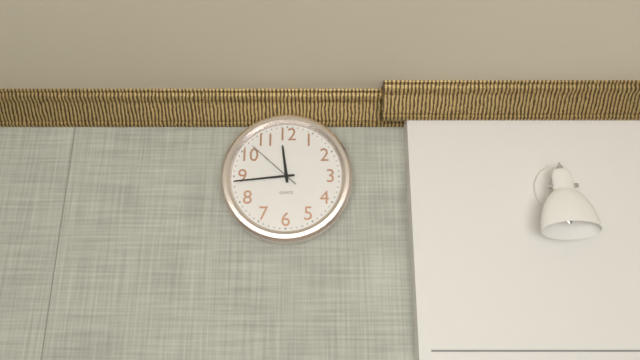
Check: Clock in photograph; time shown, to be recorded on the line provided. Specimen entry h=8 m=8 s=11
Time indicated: h=11 m=44 s=52
